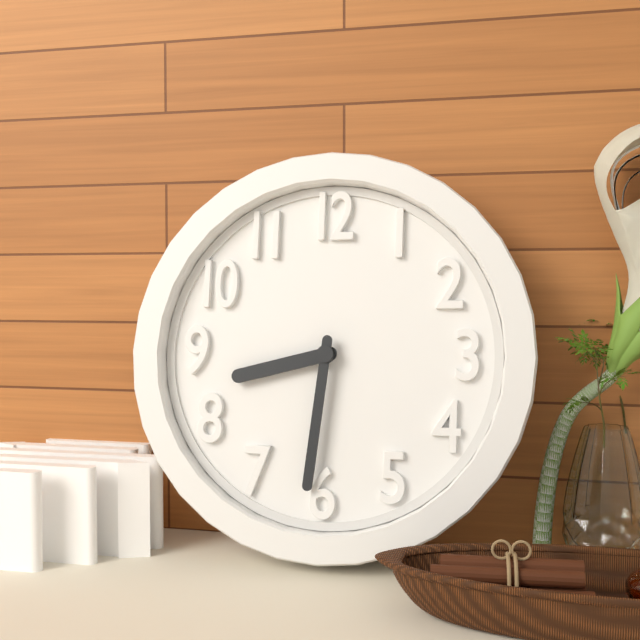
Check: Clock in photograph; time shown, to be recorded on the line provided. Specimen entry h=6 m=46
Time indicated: h=8 m=31
